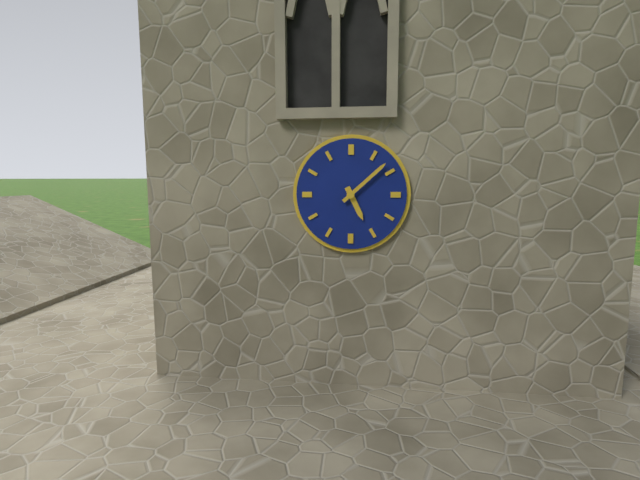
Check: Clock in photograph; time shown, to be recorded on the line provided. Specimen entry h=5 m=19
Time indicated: h=5 m=8
